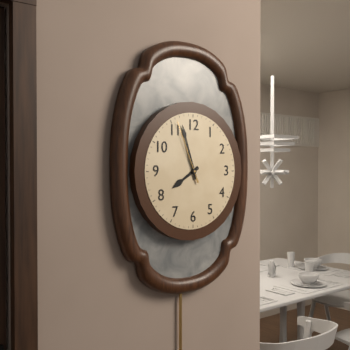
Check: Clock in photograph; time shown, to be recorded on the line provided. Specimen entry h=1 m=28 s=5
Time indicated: h=7 m=57 s=56
